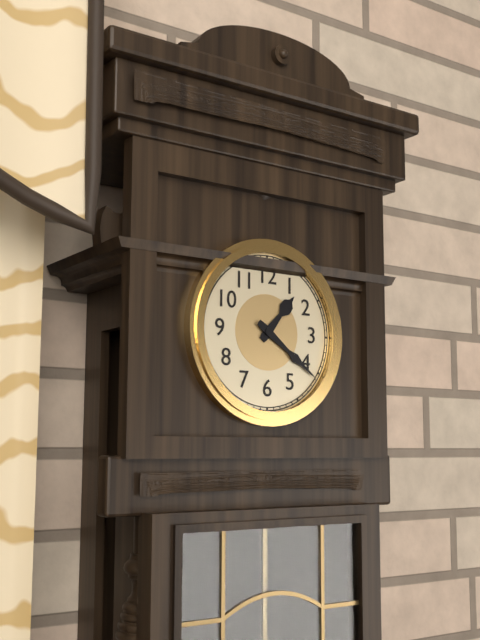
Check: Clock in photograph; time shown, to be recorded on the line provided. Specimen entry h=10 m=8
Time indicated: h=1 m=21
